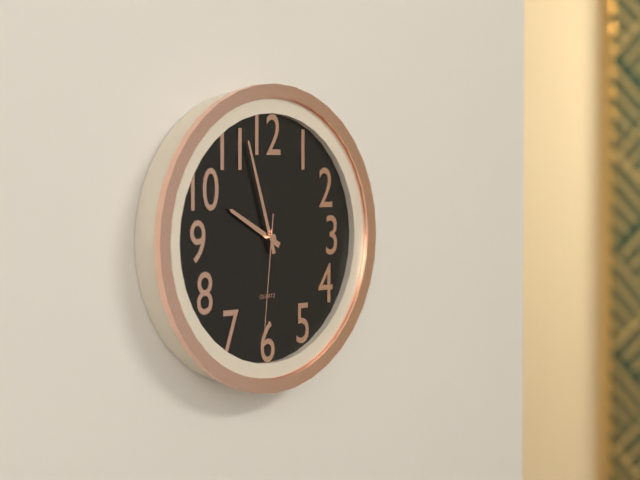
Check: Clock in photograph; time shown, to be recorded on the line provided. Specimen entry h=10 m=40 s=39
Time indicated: h=9 m=57 s=31
